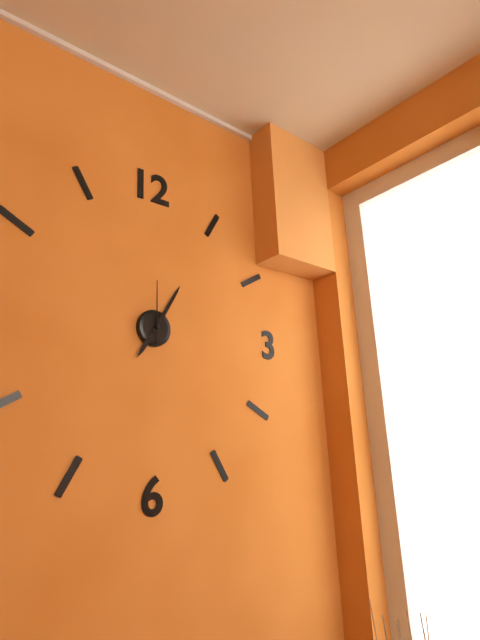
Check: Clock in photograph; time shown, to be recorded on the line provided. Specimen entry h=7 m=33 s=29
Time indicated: h=7 m=5 s=0
